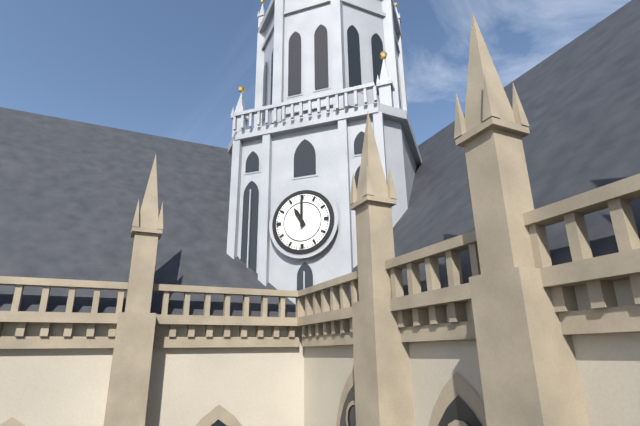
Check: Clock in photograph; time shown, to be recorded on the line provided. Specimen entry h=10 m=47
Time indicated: h=11 m=0
